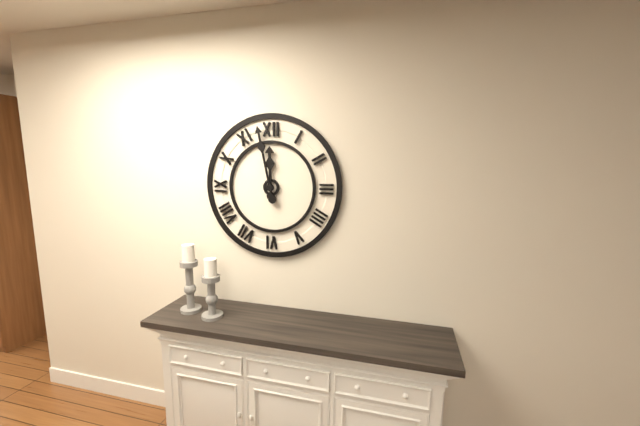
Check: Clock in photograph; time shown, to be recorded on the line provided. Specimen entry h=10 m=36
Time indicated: h=11 m=58
